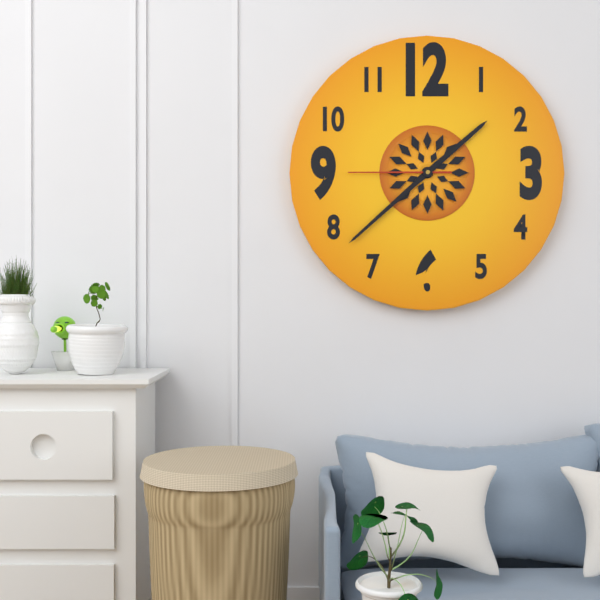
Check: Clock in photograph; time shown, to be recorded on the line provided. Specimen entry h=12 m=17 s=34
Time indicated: h=1 m=38 s=45
